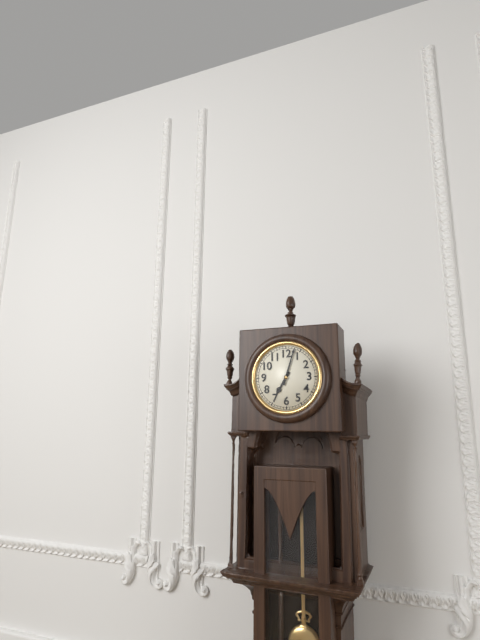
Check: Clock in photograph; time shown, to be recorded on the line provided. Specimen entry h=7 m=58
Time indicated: h=7 m=3
